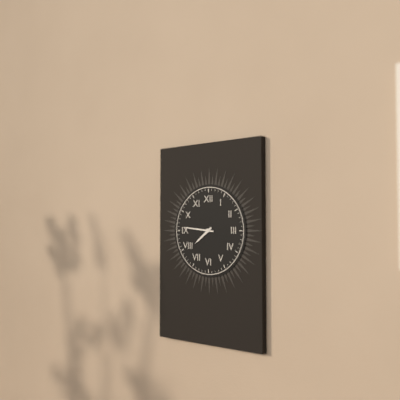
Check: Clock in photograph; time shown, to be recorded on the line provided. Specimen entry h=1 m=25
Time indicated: h=7 m=46
